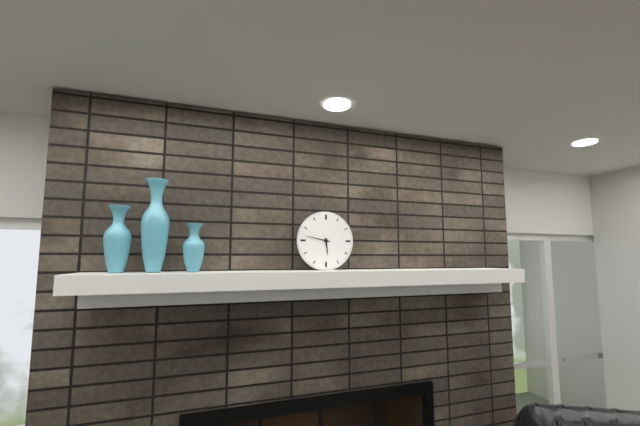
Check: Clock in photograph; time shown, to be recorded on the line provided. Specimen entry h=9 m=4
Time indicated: h=5 m=47
